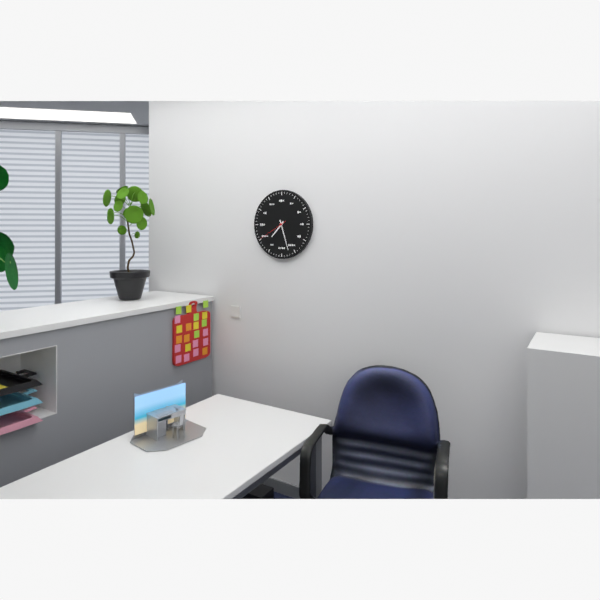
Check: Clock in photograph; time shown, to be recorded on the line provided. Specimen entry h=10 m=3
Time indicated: h=7 m=27
